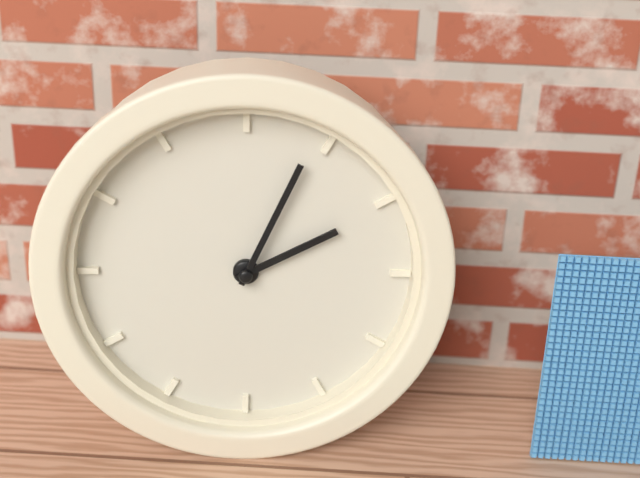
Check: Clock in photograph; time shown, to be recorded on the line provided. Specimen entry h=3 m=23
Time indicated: h=2 m=4
